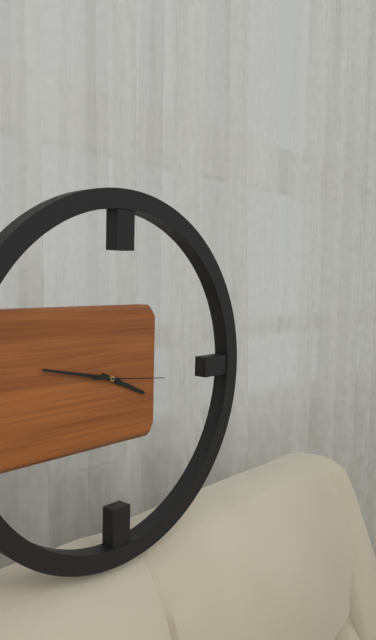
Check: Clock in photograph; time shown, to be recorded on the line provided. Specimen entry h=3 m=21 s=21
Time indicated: h=3 m=47 s=16
